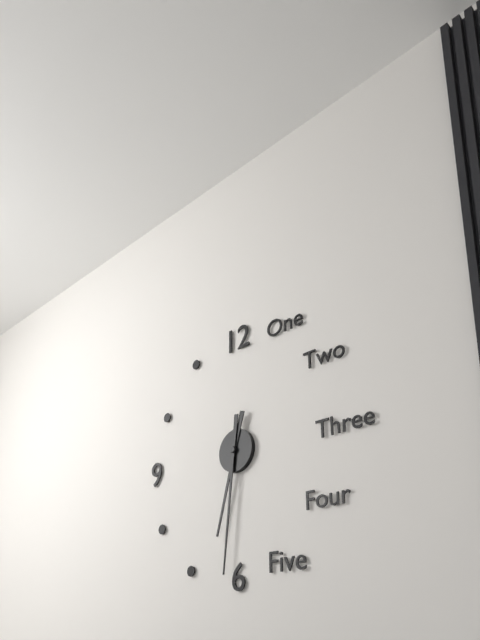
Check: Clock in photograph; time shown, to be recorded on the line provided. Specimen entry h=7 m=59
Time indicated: h=6 m=31
